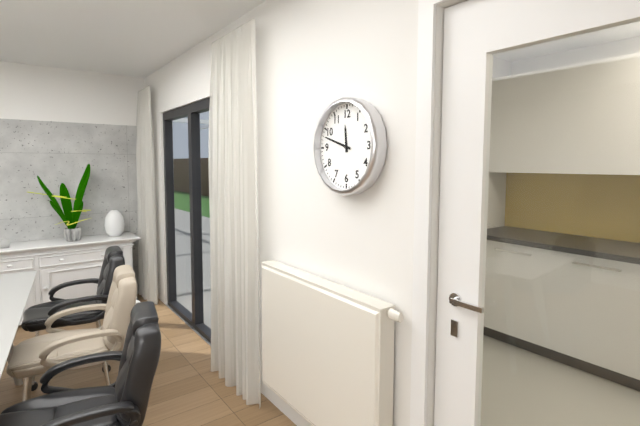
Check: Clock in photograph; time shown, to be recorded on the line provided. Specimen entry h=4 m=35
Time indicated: h=11 m=48
